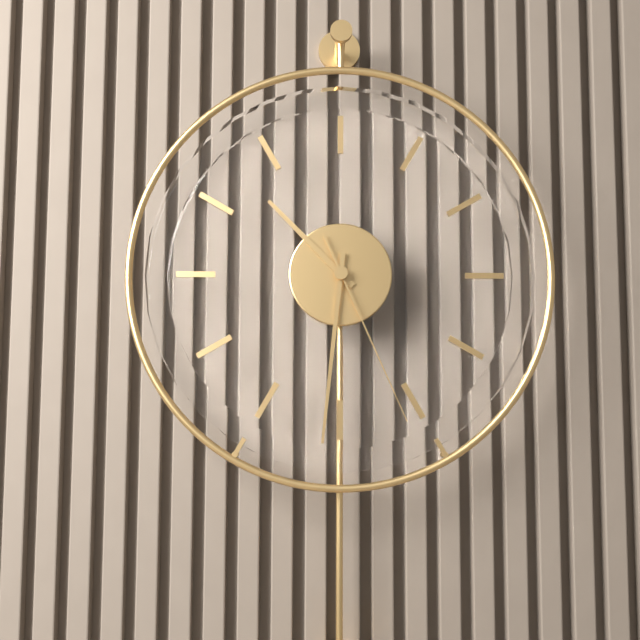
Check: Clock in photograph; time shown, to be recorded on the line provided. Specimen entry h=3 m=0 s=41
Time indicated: h=10 m=31 s=26
